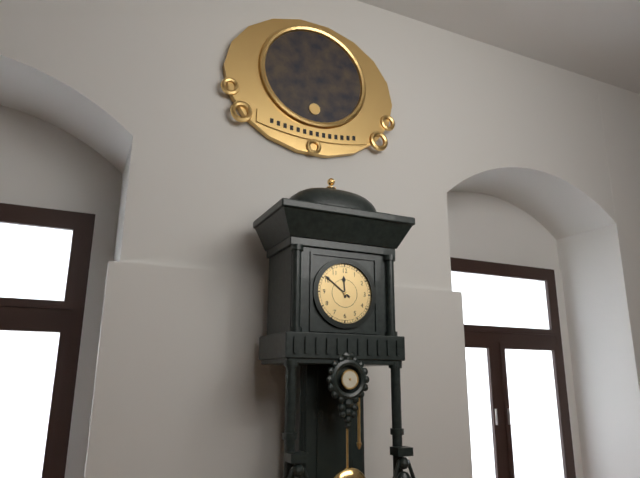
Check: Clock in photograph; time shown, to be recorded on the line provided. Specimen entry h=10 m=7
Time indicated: h=11 m=51
